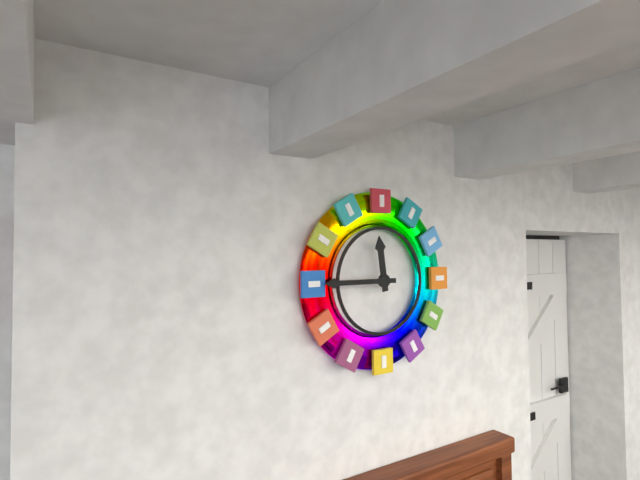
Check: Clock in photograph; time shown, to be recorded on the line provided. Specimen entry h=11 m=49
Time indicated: h=11 m=45
